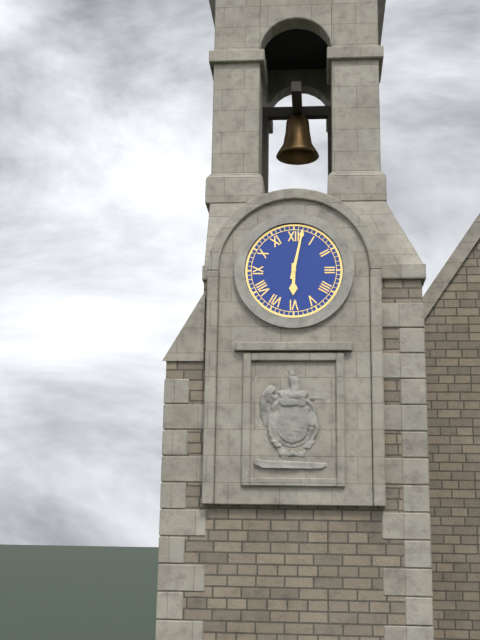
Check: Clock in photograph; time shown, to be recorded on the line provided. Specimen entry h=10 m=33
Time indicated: h=6 m=2
